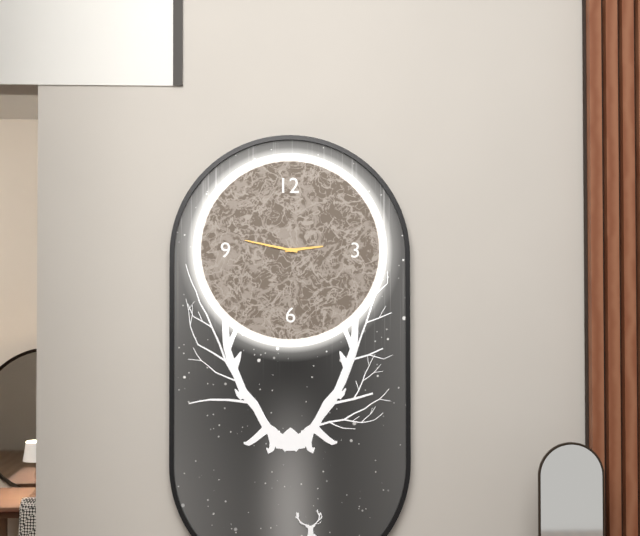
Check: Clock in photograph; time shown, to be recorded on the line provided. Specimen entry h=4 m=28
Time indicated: h=2 m=47
